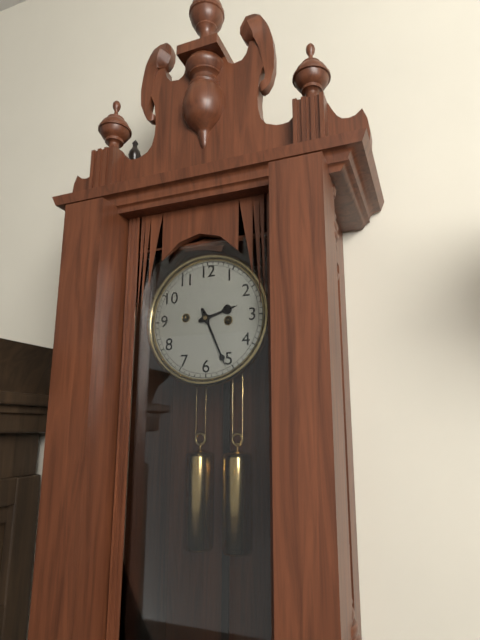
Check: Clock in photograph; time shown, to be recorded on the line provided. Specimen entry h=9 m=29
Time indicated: h=2 m=26
